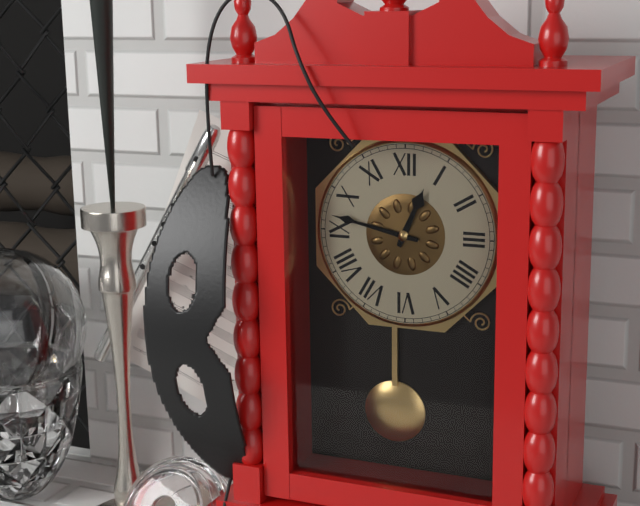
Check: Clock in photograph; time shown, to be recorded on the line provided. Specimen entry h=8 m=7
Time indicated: h=12 m=47
